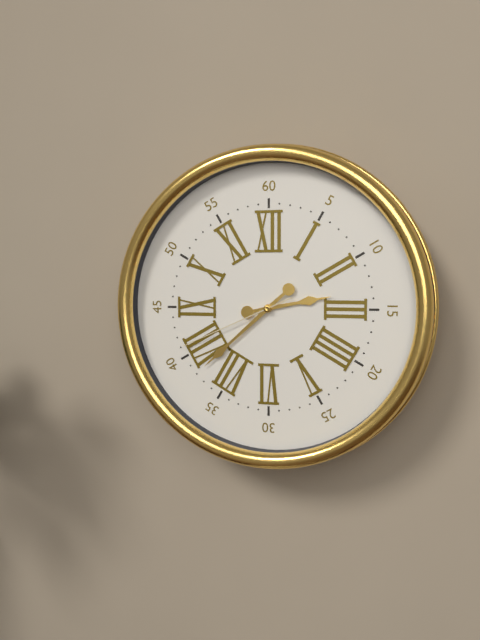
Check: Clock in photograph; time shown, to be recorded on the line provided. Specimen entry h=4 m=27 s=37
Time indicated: h=2 m=38 s=41
